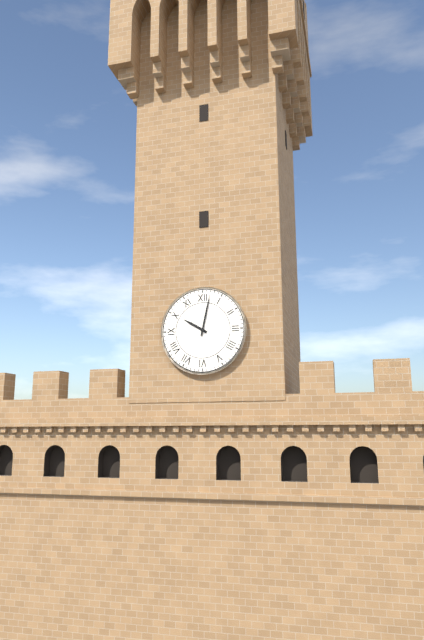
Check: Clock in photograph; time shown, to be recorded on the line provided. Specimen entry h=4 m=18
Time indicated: h=10 m=2
